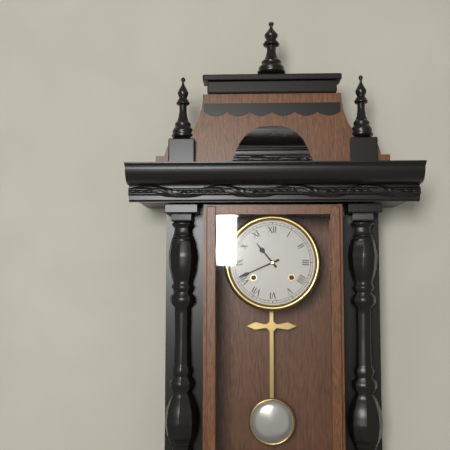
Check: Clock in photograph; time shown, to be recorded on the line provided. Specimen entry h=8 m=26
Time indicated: h=10 m=41
